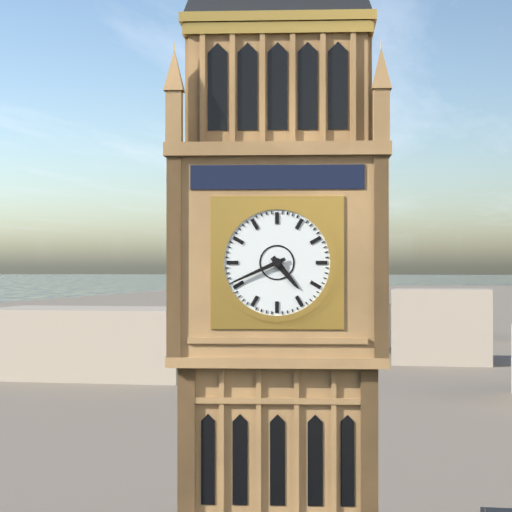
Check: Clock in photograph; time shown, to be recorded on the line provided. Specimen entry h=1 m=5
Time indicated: h=4 m=41
